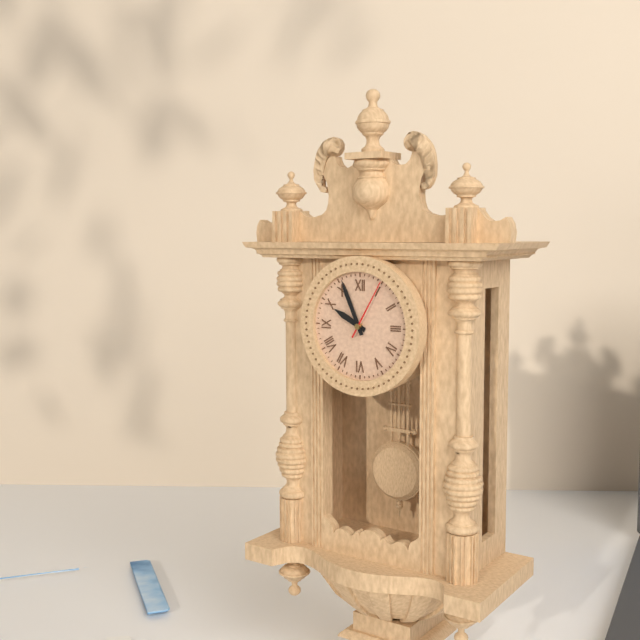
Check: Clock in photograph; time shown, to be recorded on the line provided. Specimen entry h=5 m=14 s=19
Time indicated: h=9 m=56 s=5
